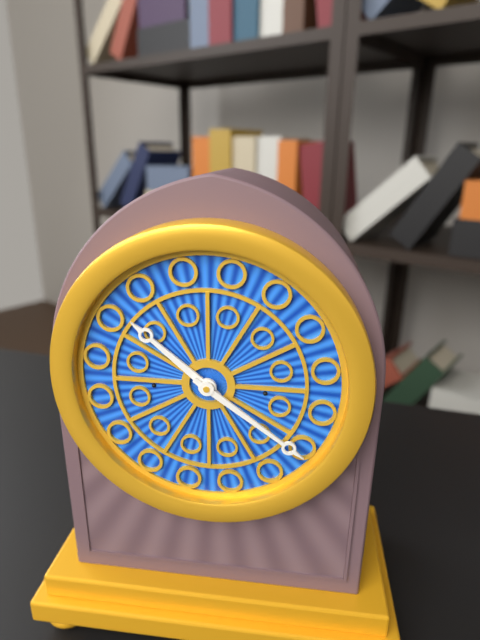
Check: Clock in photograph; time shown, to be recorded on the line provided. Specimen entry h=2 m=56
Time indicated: h=10 m=21
